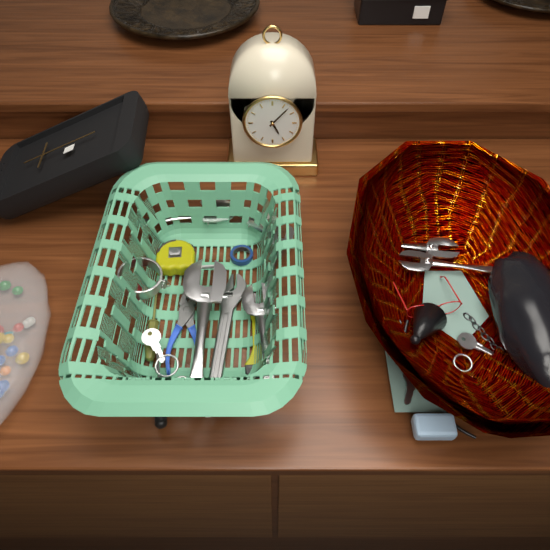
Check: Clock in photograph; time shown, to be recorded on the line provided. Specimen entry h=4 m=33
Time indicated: h=5 m=7
